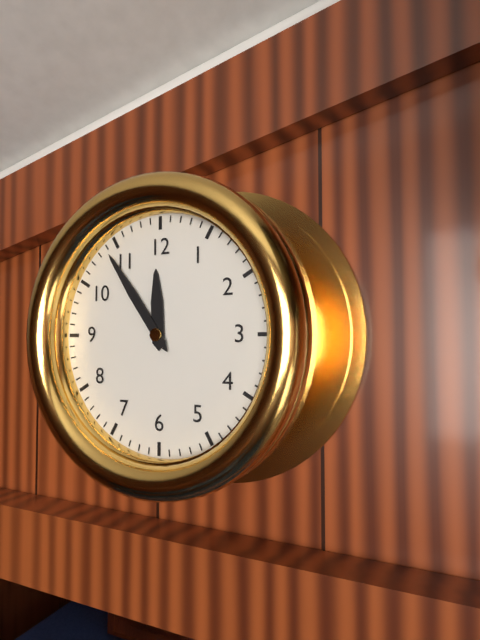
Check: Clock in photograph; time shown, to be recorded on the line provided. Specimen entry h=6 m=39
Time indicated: h=11 m=54
